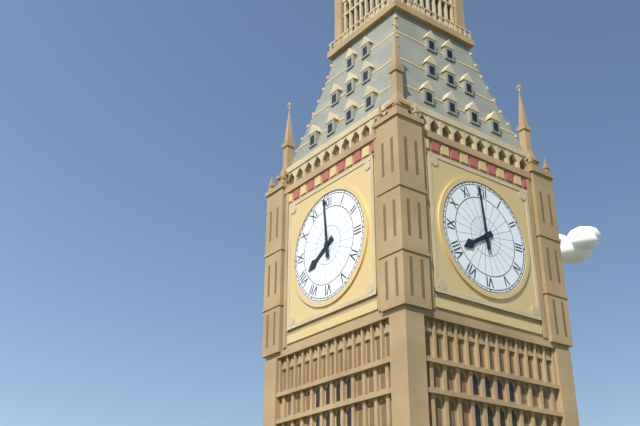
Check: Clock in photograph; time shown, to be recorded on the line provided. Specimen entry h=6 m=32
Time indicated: h=7 m=59
